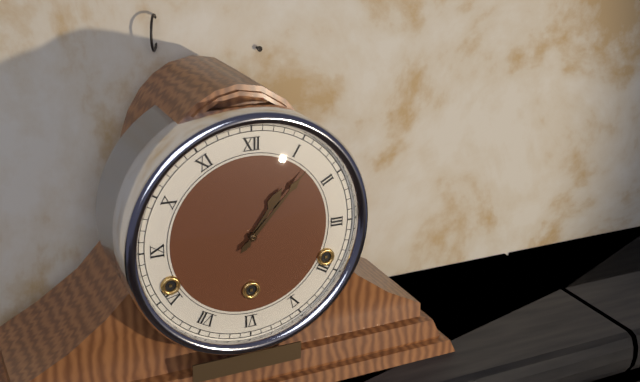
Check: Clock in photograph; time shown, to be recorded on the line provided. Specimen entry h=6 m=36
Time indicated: h=1 m=7
